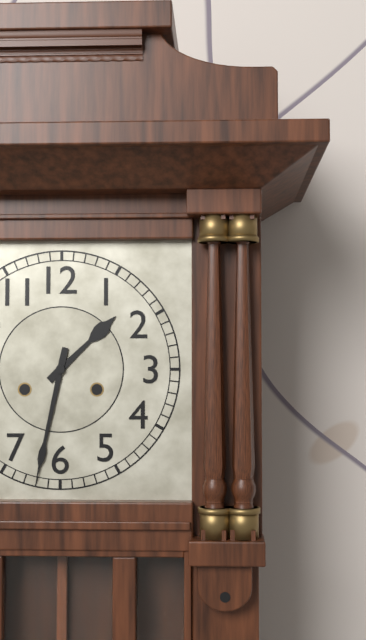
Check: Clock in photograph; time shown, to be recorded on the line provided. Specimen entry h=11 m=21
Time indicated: h=1 m=32
